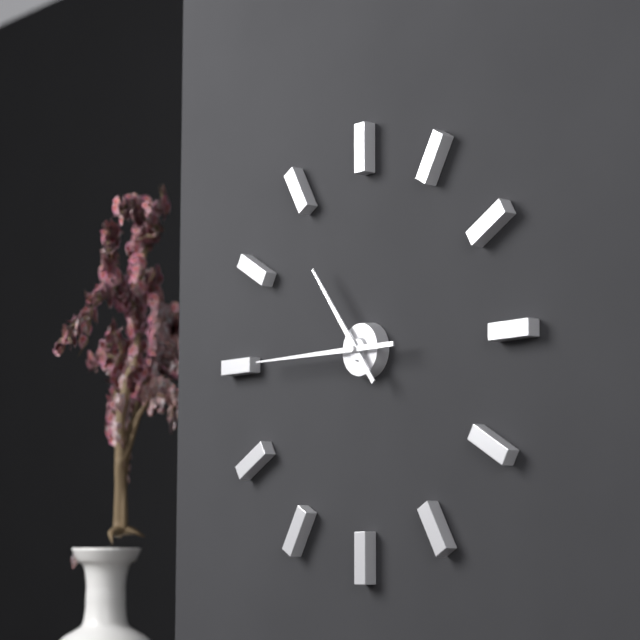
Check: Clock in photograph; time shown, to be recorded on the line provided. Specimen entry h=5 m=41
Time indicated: h=10 m=45
